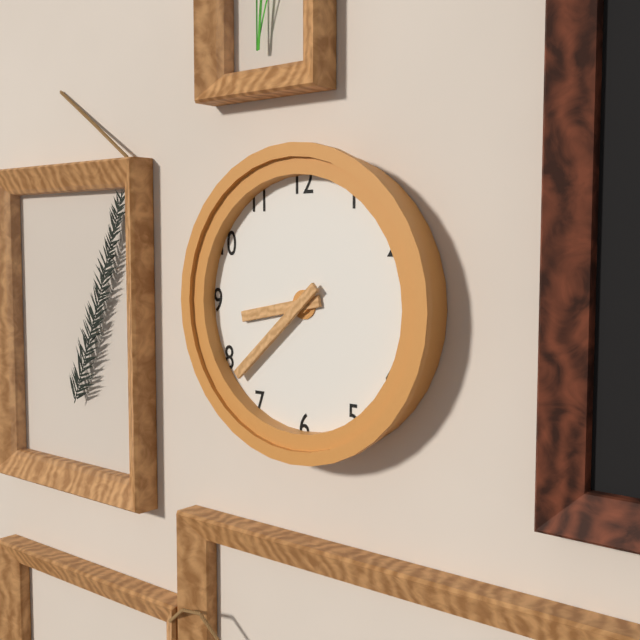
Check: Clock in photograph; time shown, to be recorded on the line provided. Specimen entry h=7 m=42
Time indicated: h=8 m=38
